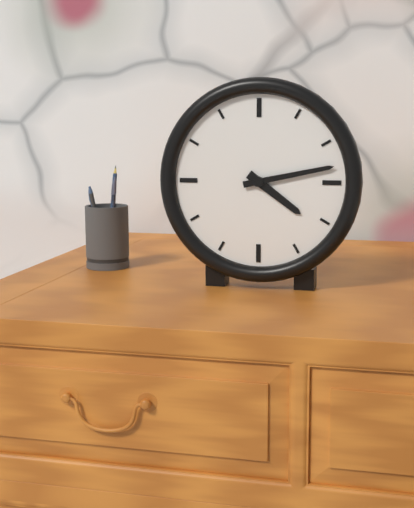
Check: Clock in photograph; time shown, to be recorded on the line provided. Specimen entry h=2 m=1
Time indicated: h=4 m=13
